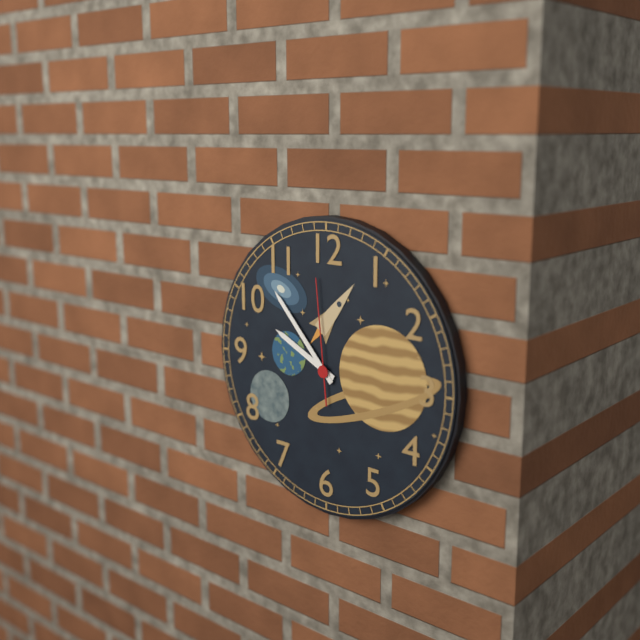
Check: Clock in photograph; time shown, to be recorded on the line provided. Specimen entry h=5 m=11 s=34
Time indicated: h=9 m=53 s=59
